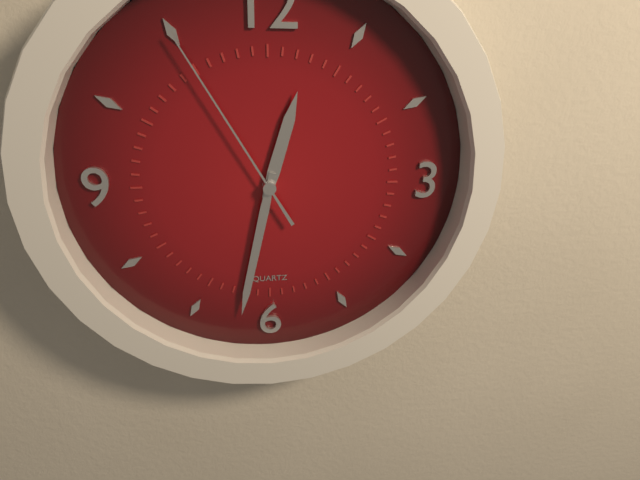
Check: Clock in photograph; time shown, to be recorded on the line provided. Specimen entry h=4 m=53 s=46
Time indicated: h=12 m=32 s=55
